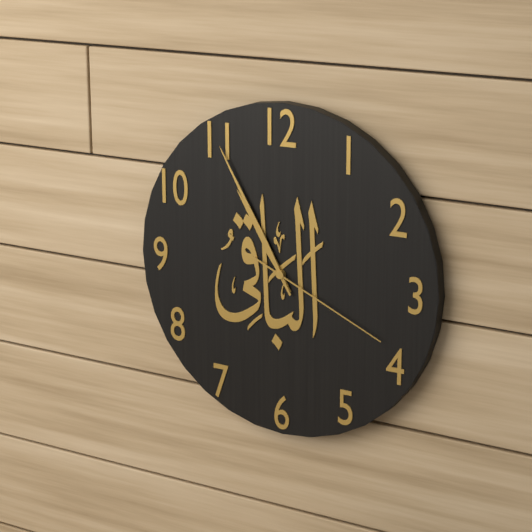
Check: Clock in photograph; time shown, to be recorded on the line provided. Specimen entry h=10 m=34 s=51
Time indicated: h=10 m=55 s=19
